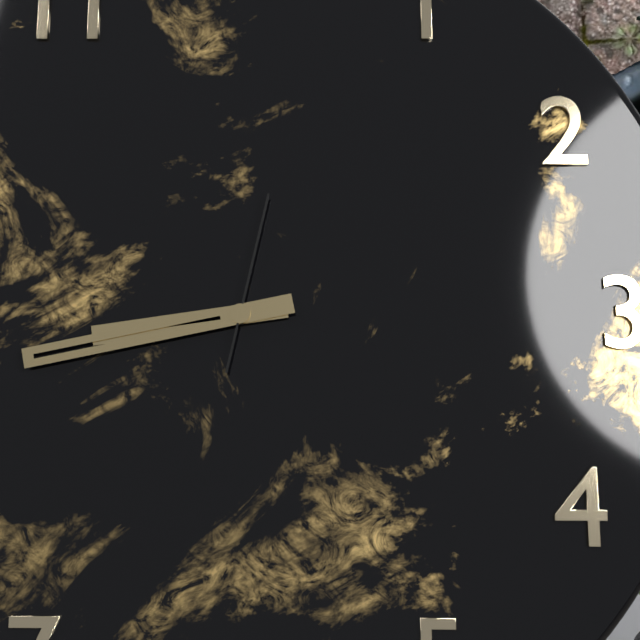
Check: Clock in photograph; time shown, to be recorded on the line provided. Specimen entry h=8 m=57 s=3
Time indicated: h=8 m=43 s=2
